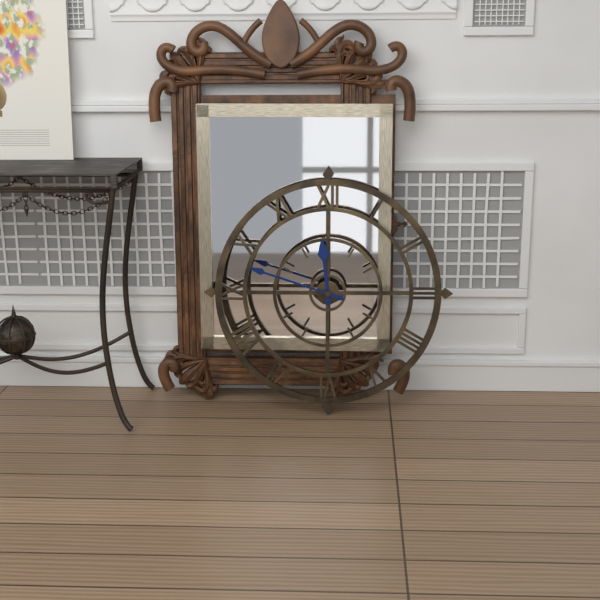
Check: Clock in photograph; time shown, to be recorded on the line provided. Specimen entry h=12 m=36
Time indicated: h=11 m=48
